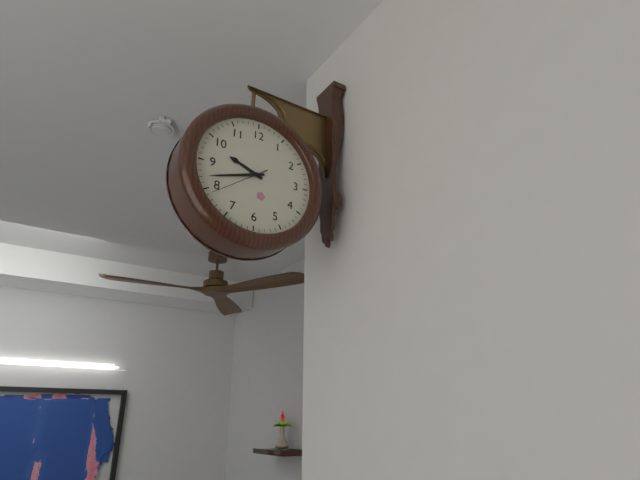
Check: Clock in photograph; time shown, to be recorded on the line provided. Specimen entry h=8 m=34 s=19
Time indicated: h=9 m=42 s=39
